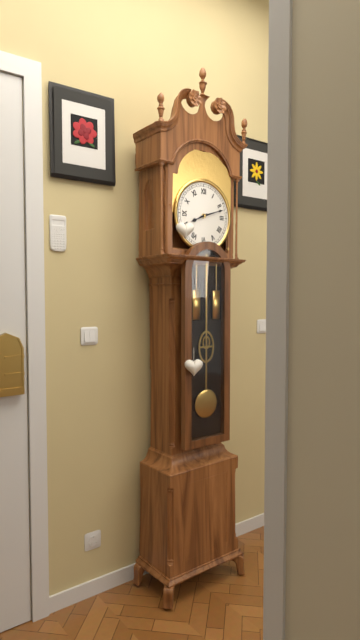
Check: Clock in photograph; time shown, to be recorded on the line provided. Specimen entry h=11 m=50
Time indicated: h=8 m=12
